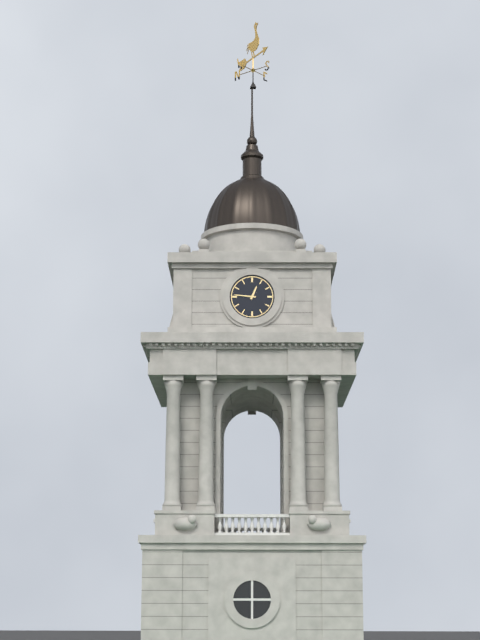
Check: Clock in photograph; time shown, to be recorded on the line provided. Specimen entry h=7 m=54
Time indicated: h=12 m=46
